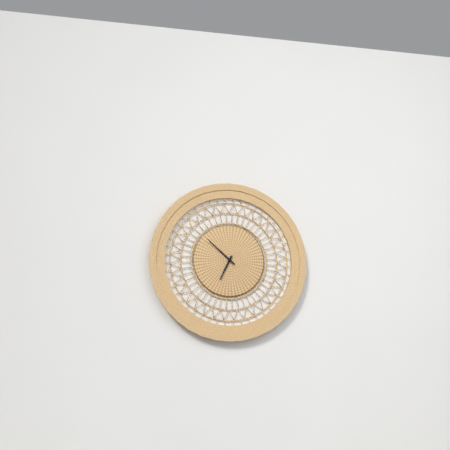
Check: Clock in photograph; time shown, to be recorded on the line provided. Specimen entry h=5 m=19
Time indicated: h=6 m=52
